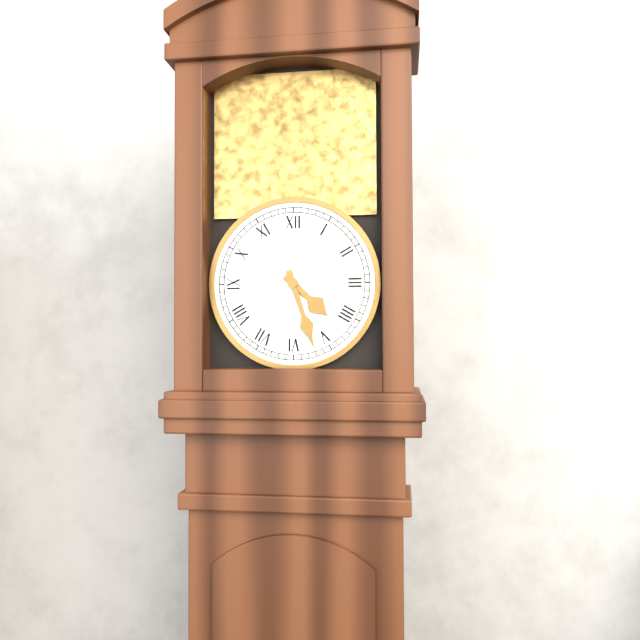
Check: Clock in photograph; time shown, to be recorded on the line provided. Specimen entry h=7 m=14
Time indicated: h=4 m=27
